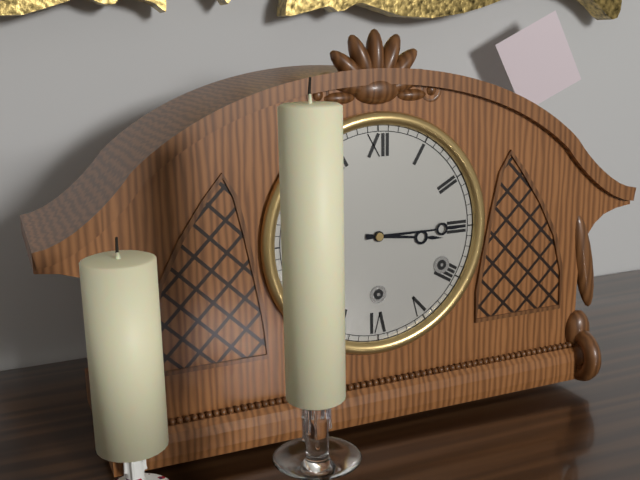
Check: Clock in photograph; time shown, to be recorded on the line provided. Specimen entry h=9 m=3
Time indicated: h=3 m=15
